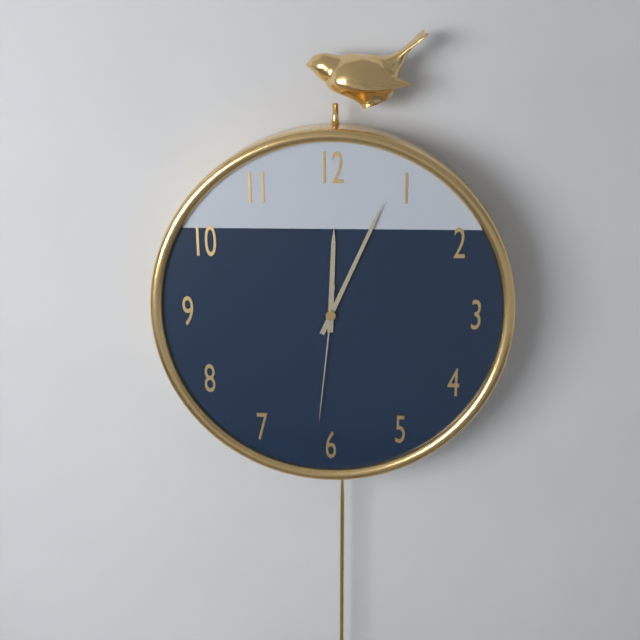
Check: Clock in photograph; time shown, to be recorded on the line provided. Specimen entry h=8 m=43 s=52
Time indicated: h=12 m=4 s=31
